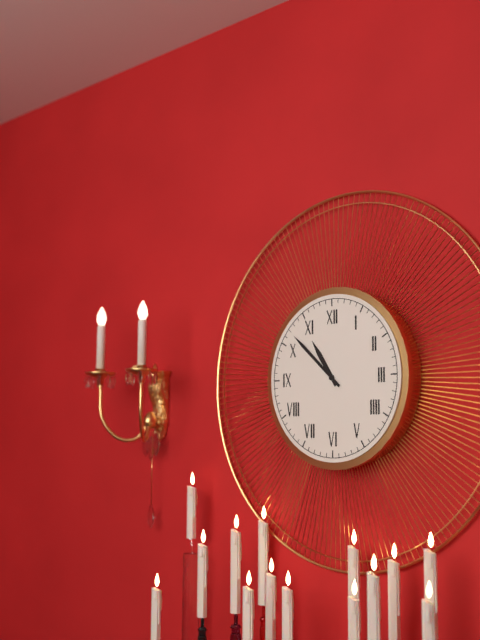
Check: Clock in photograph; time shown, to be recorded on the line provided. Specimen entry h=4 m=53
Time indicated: h=10 m=52
